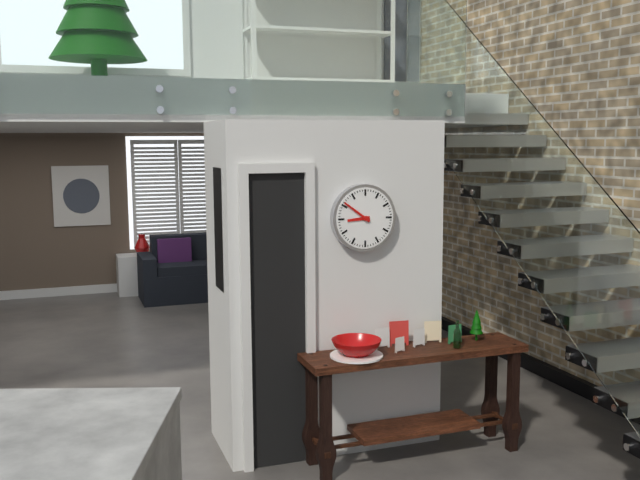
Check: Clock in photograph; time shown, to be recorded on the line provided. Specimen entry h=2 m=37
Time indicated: h=8 m=51
